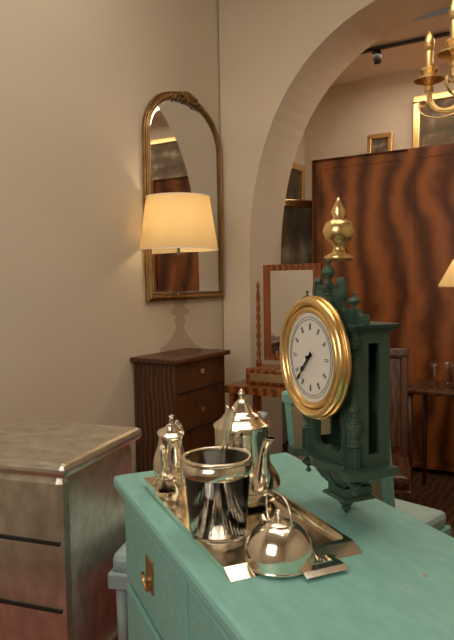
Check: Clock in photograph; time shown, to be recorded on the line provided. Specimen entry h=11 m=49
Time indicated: h=7 m=37
